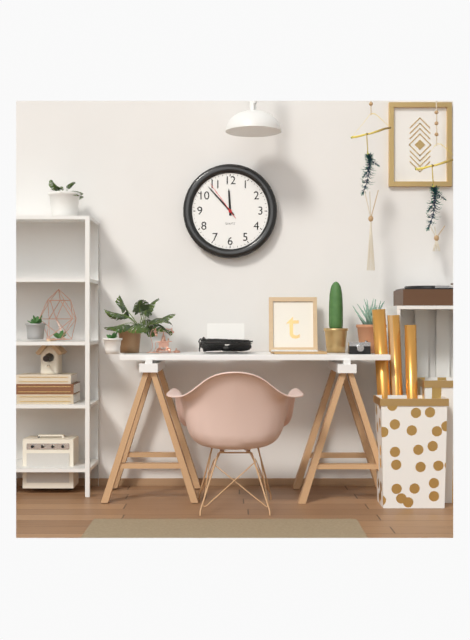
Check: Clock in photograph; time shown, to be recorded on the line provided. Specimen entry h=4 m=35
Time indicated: h=11 m=53
